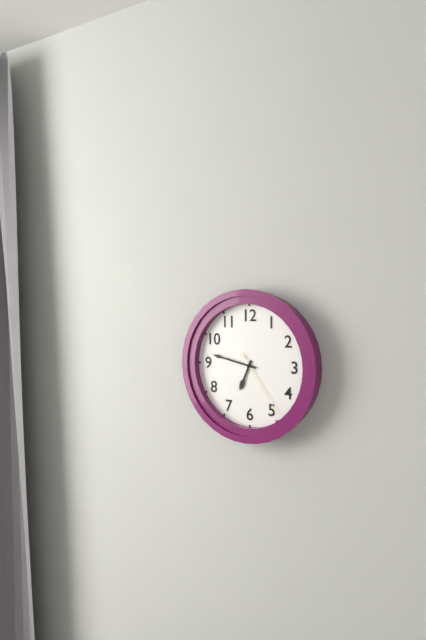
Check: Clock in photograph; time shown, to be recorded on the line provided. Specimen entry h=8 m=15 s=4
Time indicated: h=6 m=47 s=24
